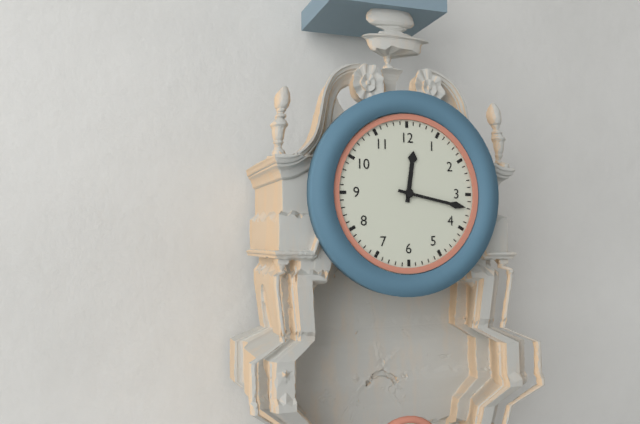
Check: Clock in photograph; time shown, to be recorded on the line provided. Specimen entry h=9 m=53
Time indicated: h=12 m=17
